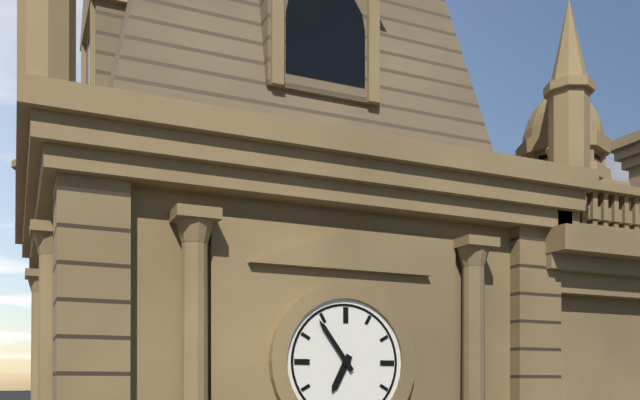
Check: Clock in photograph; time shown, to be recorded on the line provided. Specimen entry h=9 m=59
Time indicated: h=6 m=54
